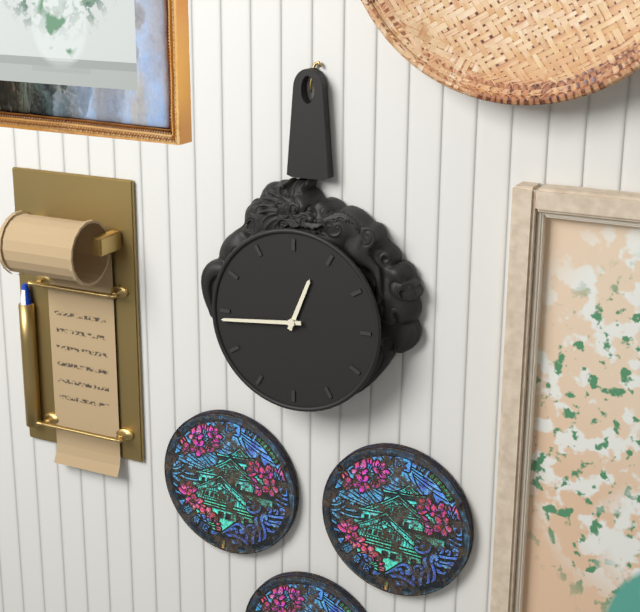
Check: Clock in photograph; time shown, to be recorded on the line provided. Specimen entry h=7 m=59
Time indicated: h=12 m=44
